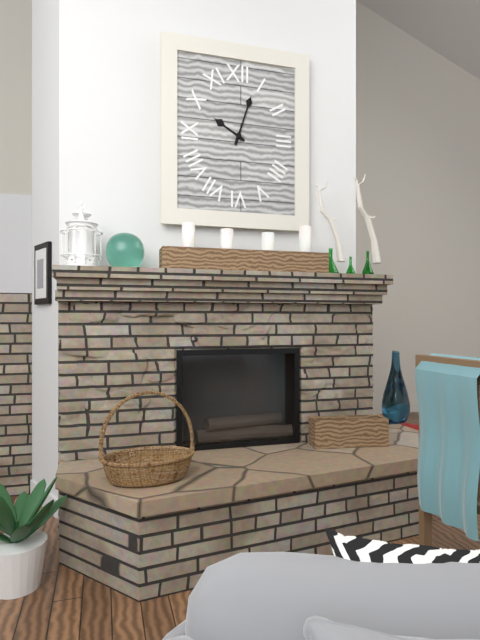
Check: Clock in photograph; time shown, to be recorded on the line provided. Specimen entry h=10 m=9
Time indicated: h=10 m=3
